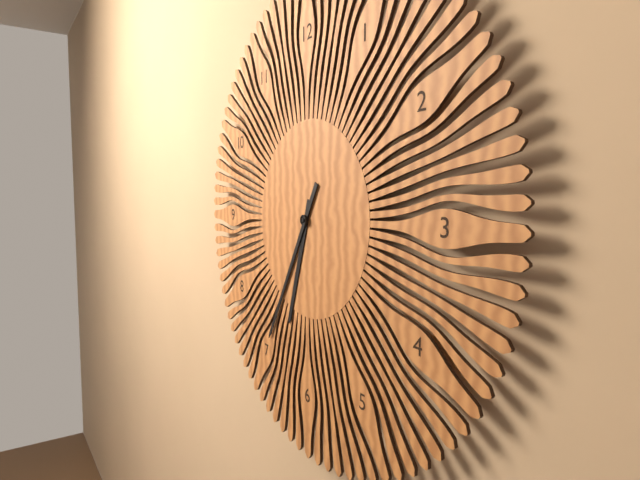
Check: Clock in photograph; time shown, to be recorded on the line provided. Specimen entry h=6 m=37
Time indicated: h=6 m=35
